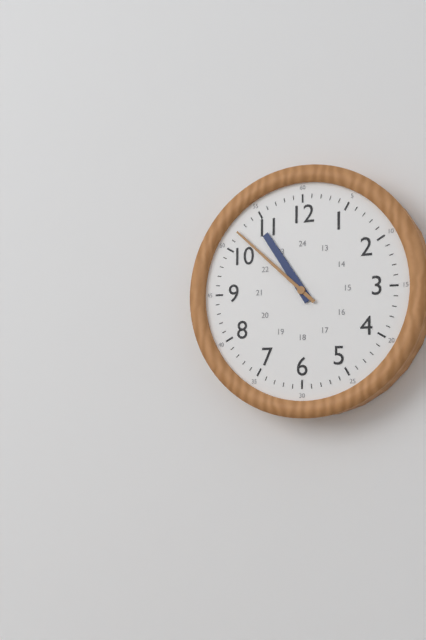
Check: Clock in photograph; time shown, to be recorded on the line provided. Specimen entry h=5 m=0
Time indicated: h=10 m=52
